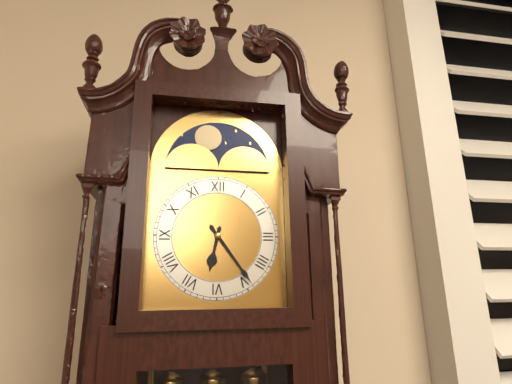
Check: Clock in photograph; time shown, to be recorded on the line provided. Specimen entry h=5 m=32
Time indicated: h=6 m=24
